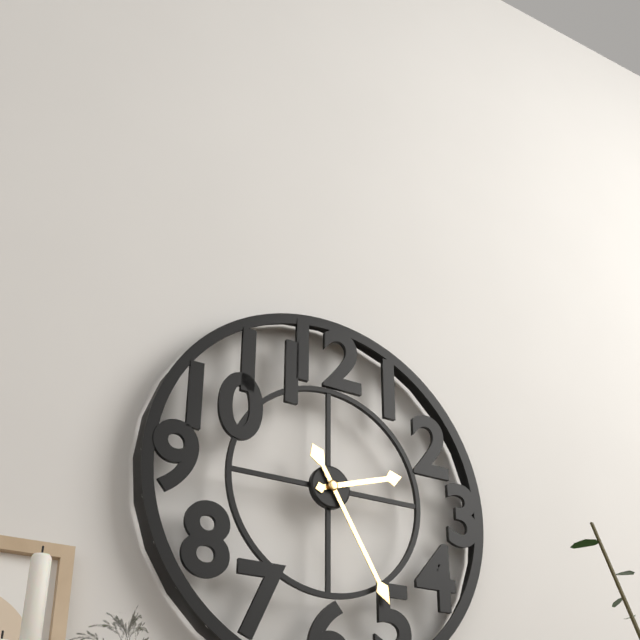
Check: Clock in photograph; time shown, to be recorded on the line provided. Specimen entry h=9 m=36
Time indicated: h=2 m=25
